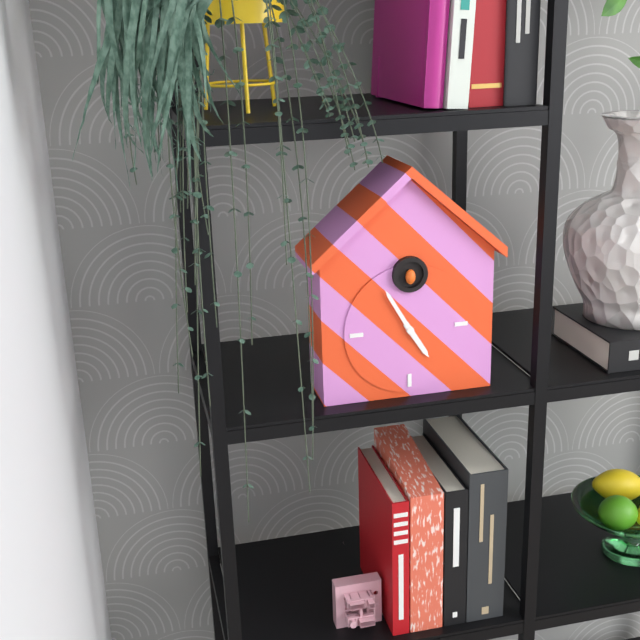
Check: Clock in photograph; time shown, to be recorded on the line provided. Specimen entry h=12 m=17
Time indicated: h=4 m=55
